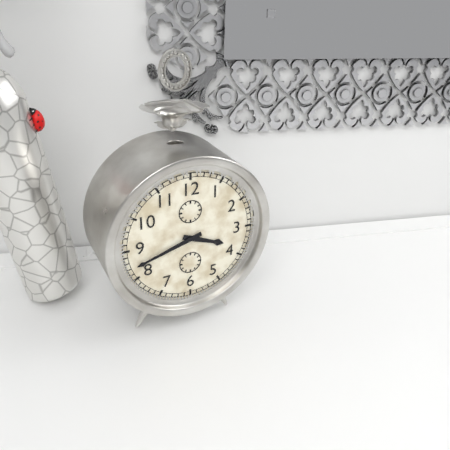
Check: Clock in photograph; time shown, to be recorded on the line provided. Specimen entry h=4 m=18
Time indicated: h=3 m=42
